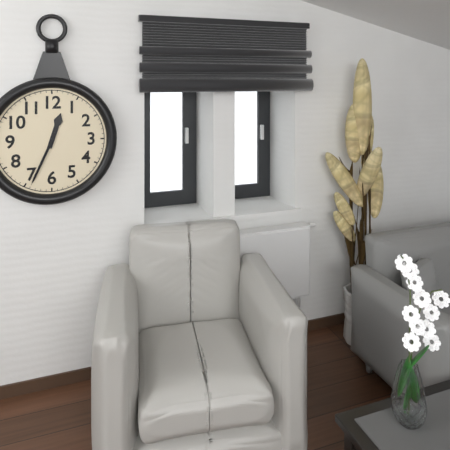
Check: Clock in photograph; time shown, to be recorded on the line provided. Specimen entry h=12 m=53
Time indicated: h=12 m=34
